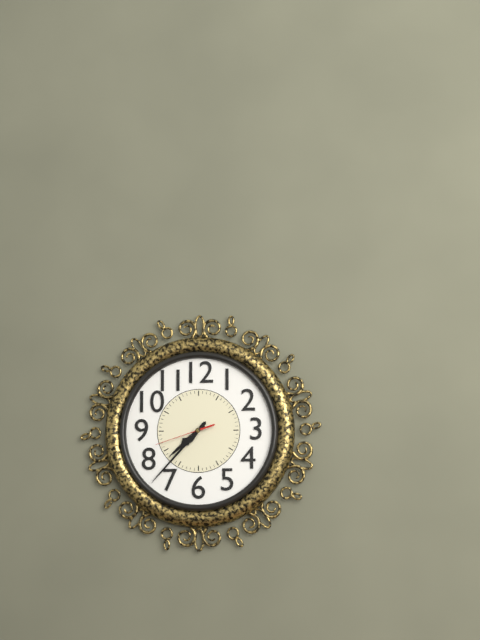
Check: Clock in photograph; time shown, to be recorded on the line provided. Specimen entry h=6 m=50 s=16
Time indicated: h=7 m=37 s=42
